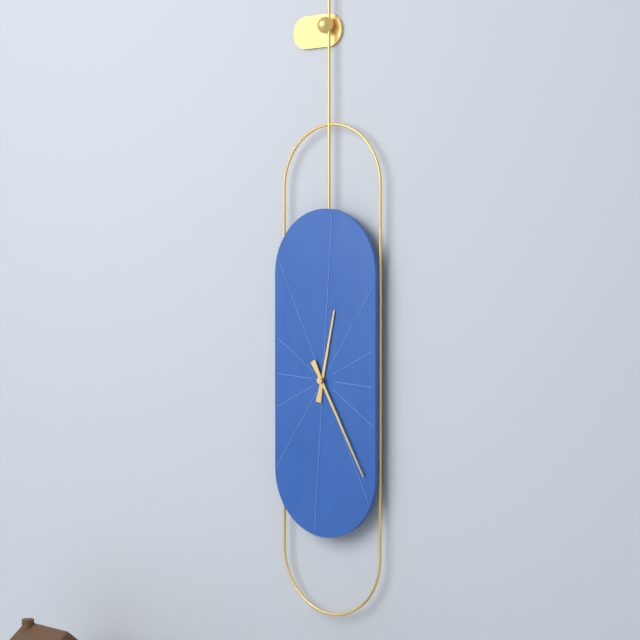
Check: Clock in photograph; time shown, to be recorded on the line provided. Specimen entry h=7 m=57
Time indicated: h=12 m=25
